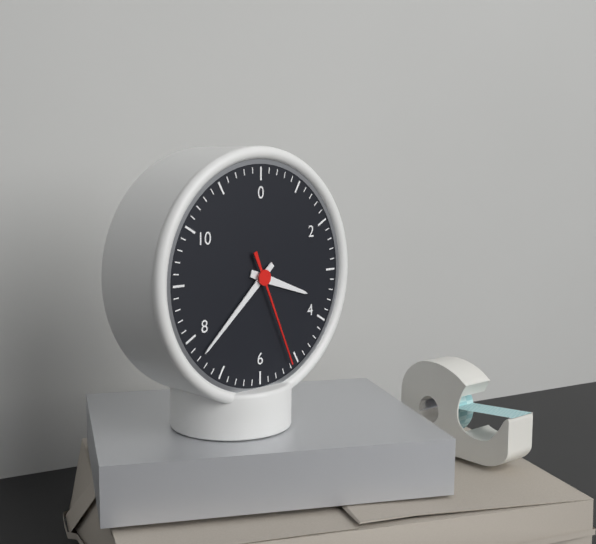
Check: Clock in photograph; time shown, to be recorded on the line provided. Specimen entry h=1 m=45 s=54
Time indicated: h=3 m=38 s=26
